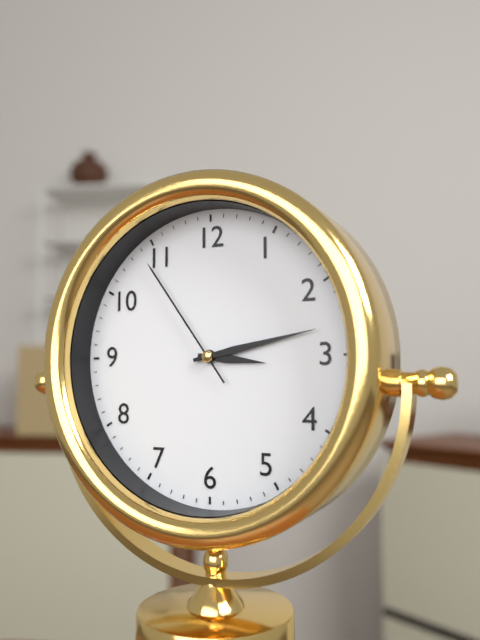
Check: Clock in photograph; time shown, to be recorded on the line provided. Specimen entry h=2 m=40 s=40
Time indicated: h=3 m=13 s=54
